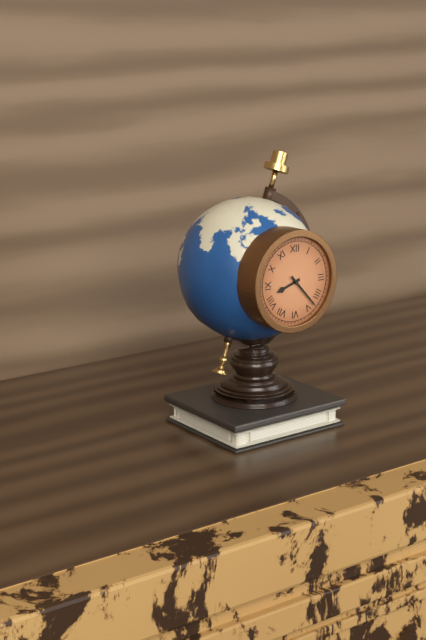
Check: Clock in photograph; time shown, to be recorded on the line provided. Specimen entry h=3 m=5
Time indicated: h=8 m=23
